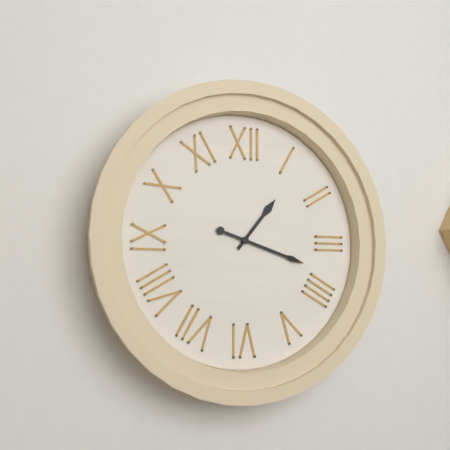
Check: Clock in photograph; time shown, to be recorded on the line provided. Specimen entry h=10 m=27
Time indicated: h=1 m=18
